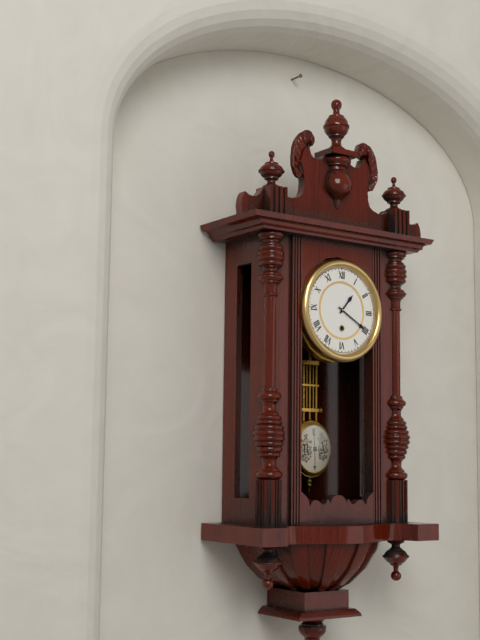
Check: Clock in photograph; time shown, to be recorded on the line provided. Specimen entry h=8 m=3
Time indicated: h=1 m=20
